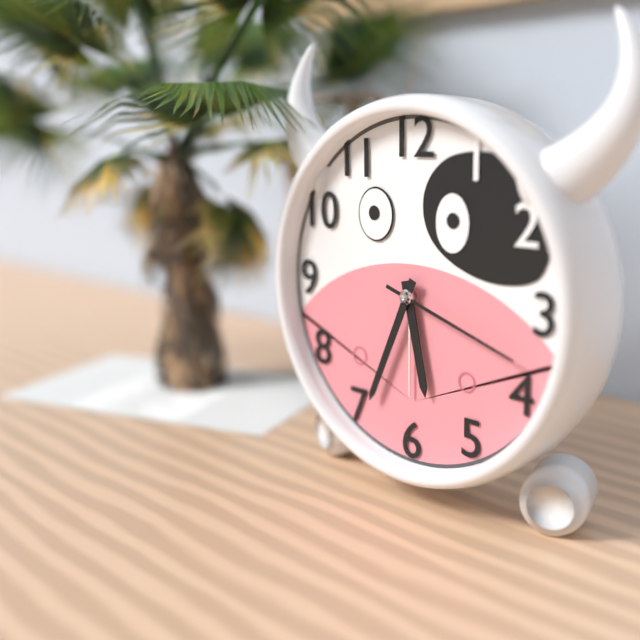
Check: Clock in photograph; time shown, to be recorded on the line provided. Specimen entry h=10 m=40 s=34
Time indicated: h=5 m=34 s=18
